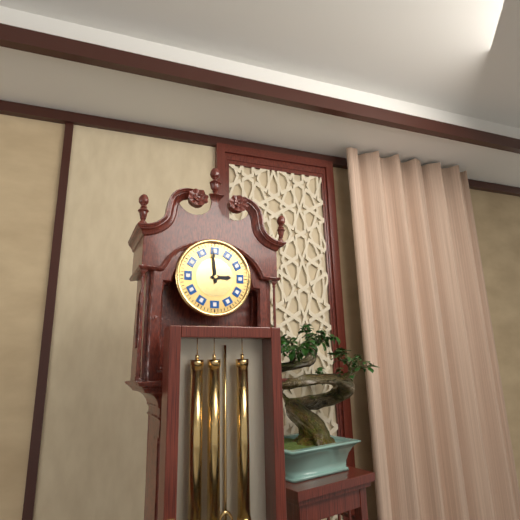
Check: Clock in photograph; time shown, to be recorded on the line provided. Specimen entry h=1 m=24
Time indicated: h=2 m=59
